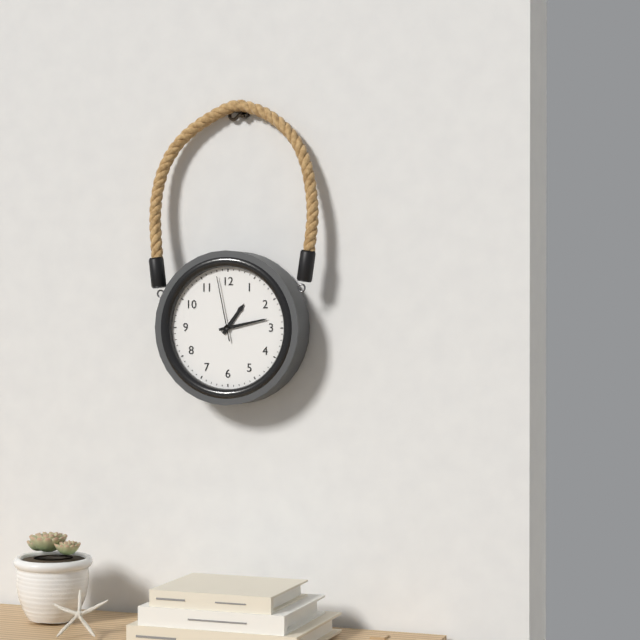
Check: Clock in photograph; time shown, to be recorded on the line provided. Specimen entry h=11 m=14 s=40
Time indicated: h=1 m=13 s=58
